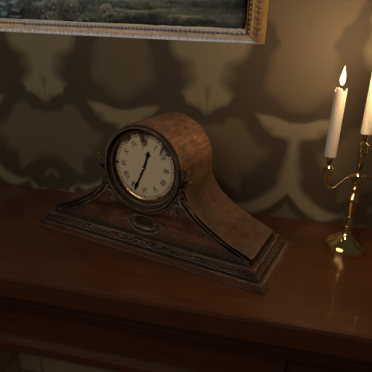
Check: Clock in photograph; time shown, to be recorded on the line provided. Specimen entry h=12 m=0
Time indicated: h=12 m=34
